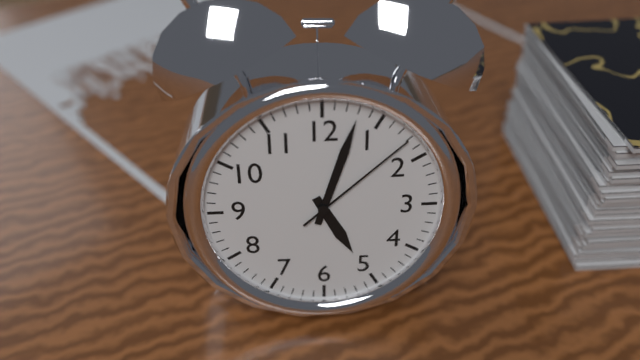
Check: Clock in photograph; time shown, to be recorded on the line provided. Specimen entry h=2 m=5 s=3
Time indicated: h=5 m=3 s=8
